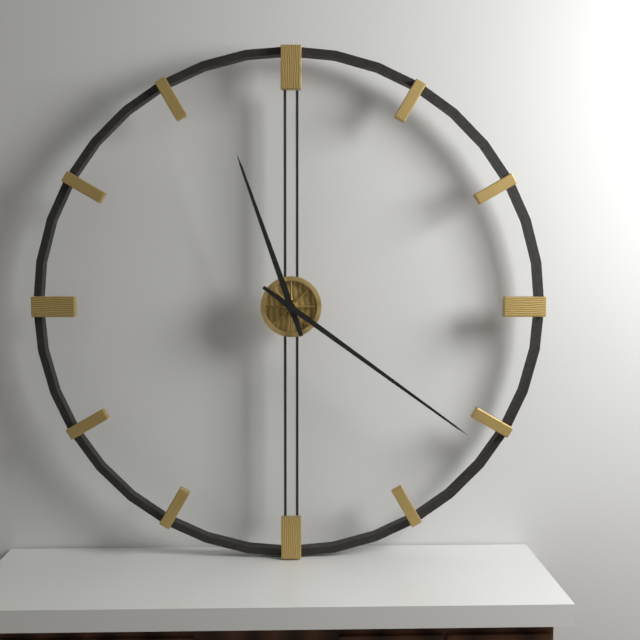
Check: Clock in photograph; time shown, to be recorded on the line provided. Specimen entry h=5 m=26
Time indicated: h=11 m=21
